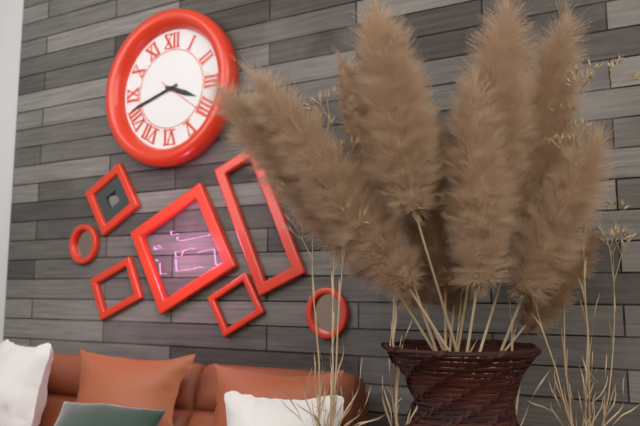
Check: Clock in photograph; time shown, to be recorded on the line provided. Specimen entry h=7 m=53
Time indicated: h=3 m=42
